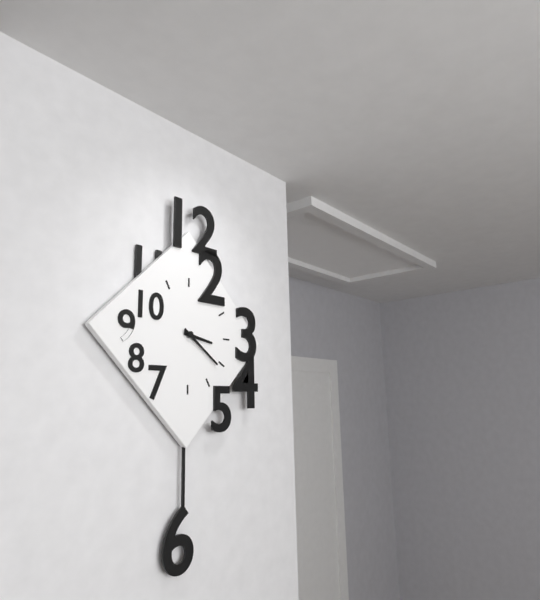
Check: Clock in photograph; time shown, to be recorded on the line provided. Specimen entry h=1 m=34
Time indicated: h=3 m=21
